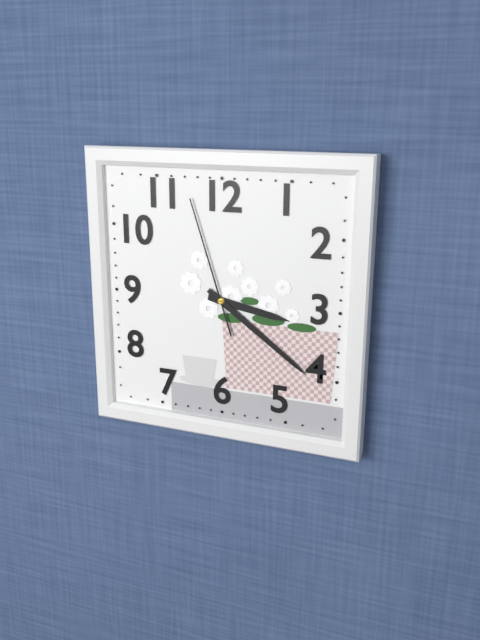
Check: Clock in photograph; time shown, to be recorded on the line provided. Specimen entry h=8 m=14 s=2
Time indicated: h=3 m=21 s=57
